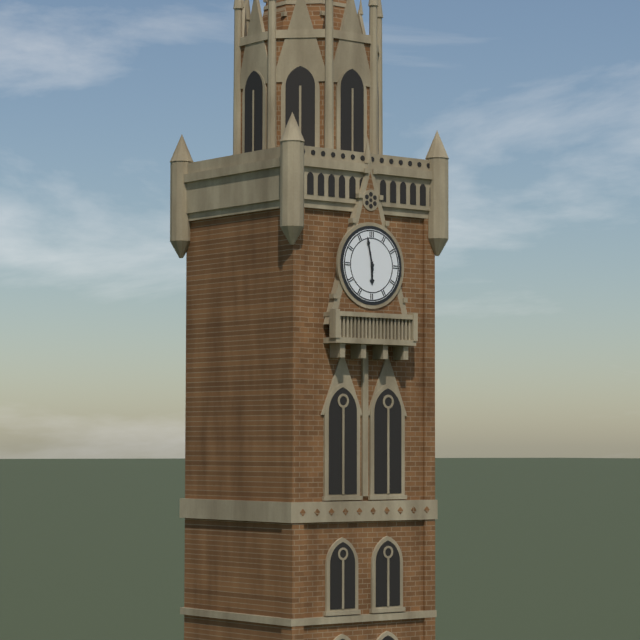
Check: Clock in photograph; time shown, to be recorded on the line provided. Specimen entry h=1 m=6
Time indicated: h=5 m=58
